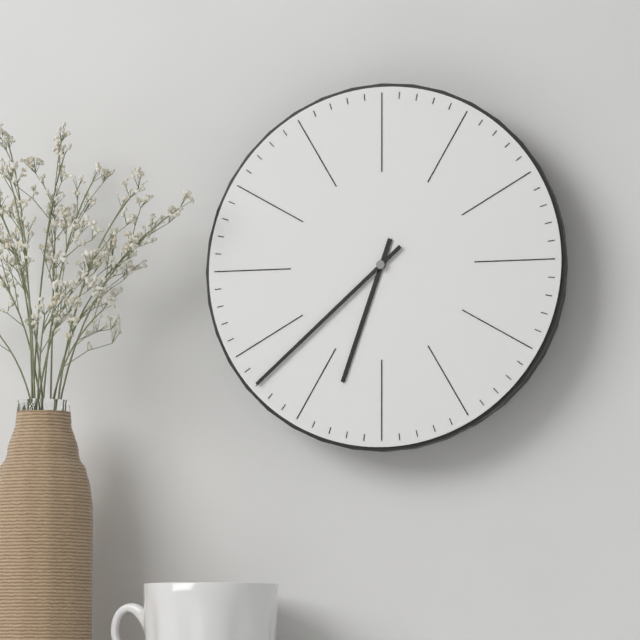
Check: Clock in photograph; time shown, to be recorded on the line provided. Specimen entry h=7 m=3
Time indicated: h=6 m=38
